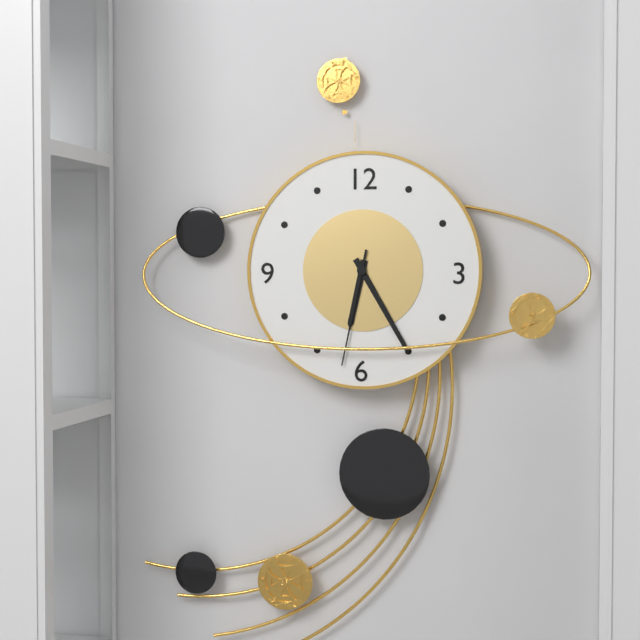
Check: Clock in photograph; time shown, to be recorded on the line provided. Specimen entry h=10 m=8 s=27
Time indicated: h=6 m=25 s=32
